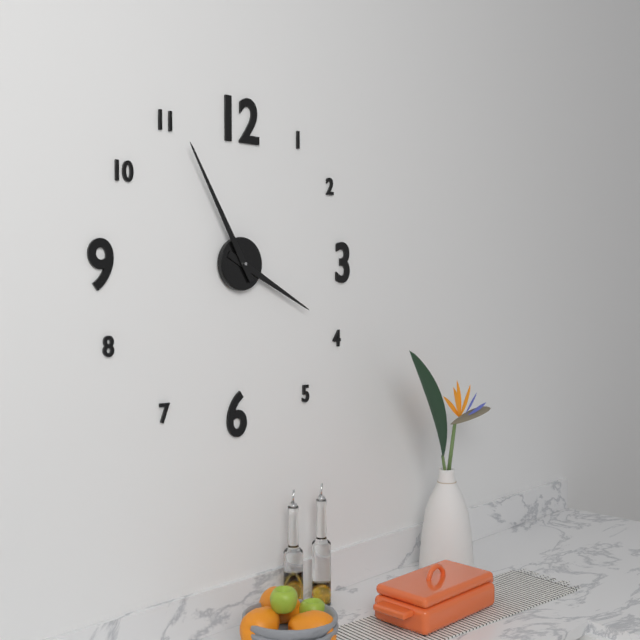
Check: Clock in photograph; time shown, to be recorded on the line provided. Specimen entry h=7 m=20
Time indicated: h=3 m=55
